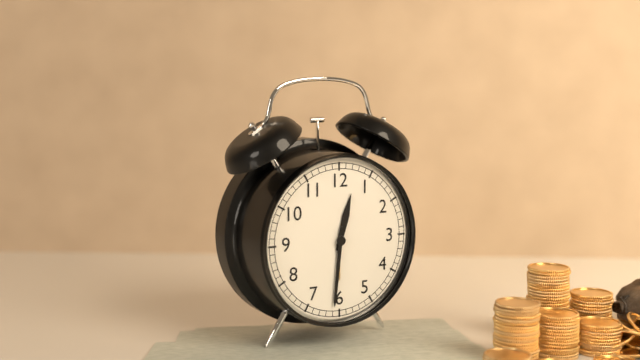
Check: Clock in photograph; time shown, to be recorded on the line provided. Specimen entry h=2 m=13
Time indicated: h=12 m=31
